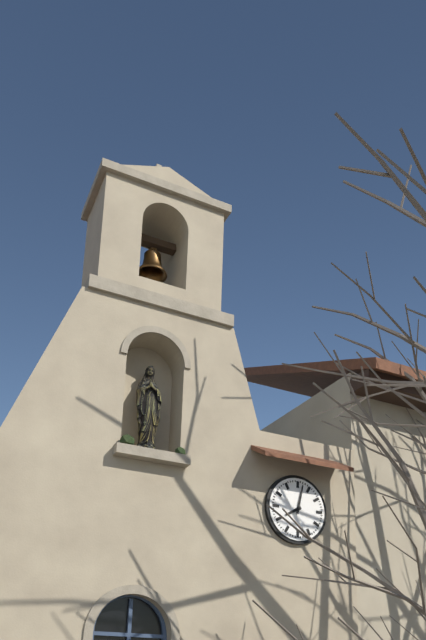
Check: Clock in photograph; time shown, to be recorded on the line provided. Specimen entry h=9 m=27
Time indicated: h=8 m=2
